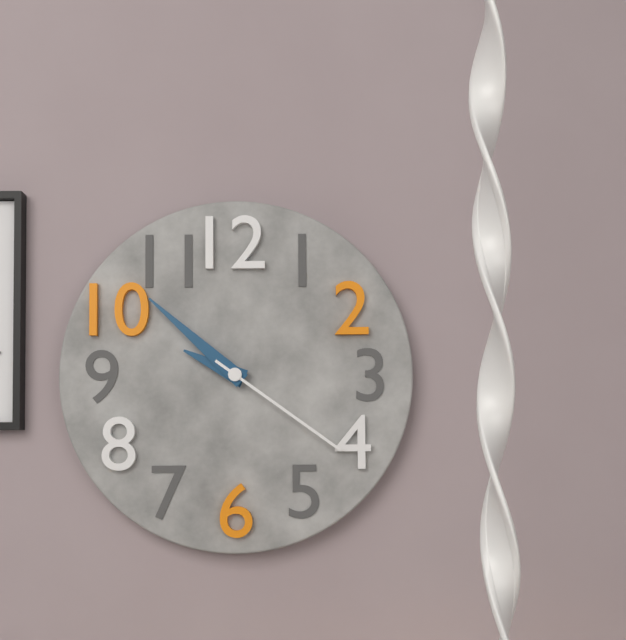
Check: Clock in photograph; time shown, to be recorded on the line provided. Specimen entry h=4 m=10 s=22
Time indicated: h=9 m=52 s=21
